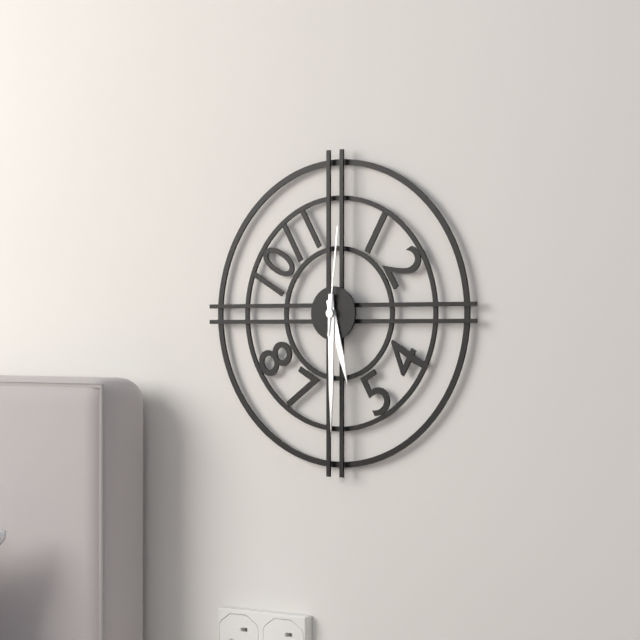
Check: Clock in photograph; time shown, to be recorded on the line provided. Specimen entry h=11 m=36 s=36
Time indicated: h=5 m=30 s=1
